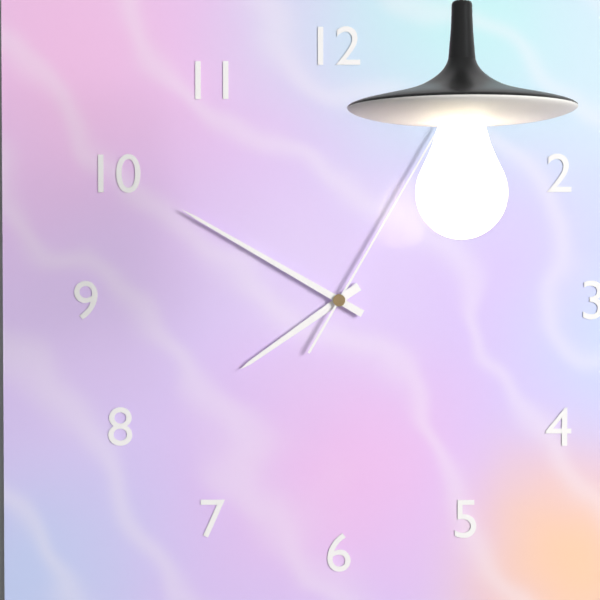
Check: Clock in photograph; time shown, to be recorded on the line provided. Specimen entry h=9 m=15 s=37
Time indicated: h=7 m=50 s=5
